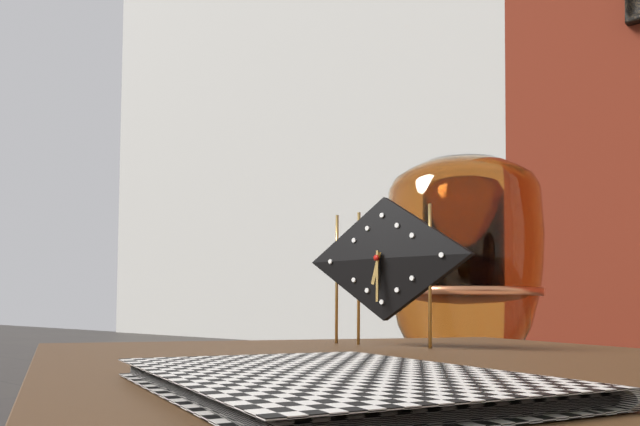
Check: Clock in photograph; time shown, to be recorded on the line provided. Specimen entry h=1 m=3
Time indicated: h=6 m=30
